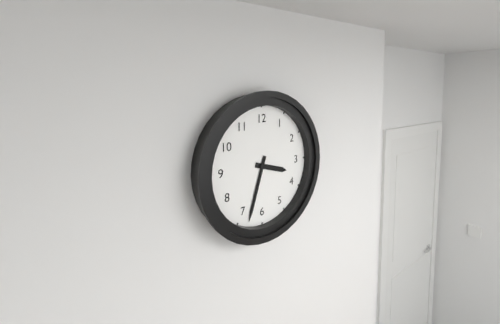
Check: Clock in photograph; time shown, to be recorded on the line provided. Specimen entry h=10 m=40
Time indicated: h=3 m=33
